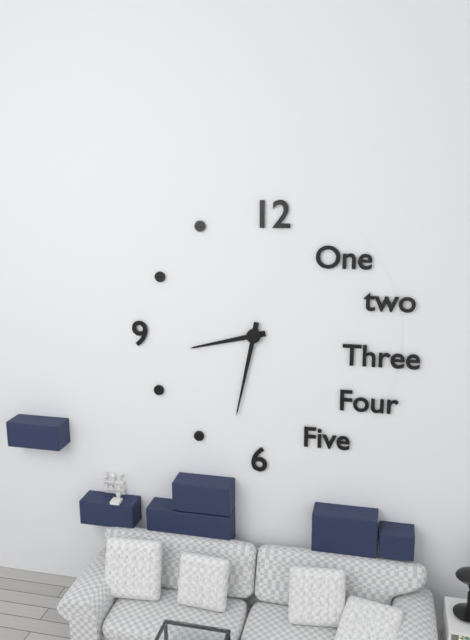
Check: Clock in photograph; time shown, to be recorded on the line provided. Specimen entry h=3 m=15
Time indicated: h=8 m=32
